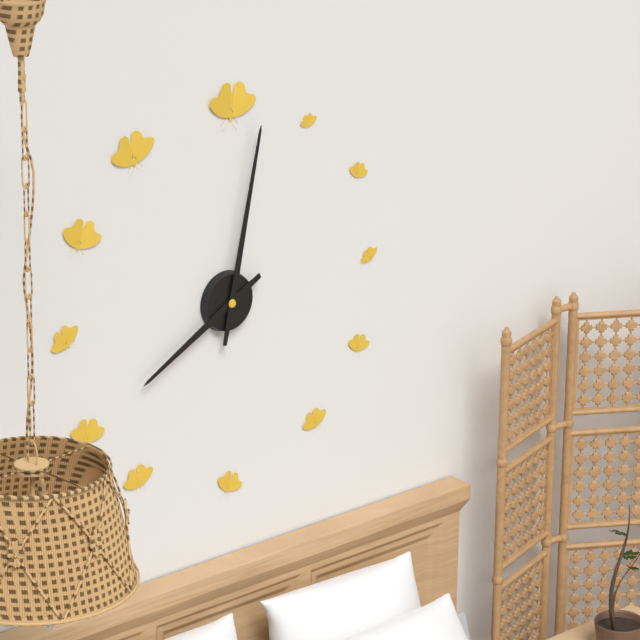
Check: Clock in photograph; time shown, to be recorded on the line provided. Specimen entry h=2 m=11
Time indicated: h=8 m=2
